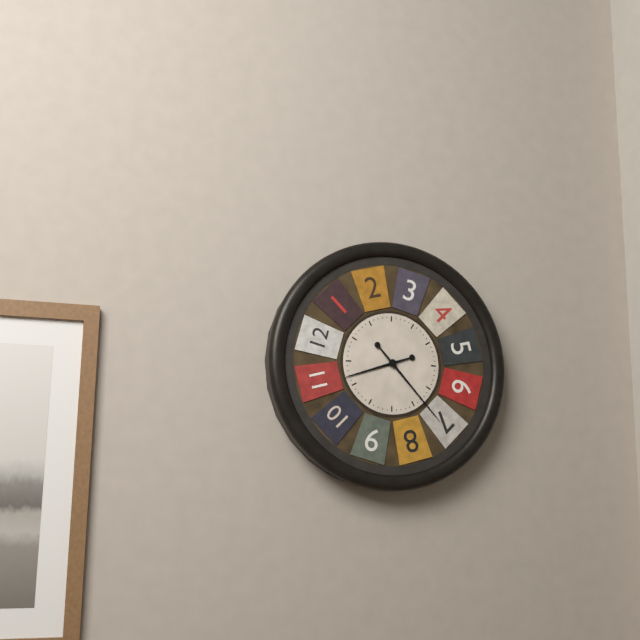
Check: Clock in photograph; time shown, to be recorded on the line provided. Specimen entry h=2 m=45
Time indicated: h=8 m=23
